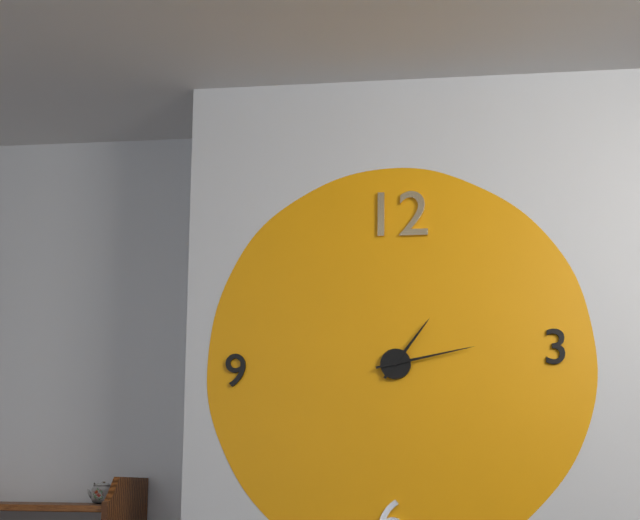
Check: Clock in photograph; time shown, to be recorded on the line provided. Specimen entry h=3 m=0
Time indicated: h=1 m=13
